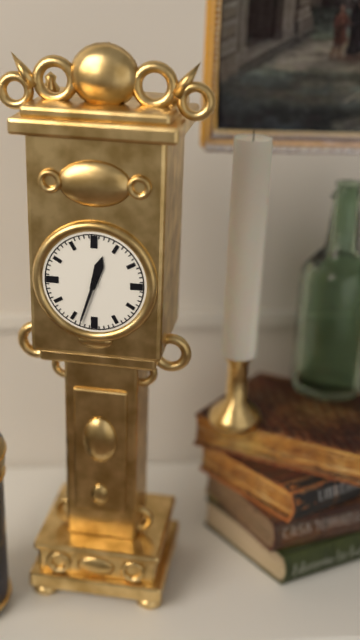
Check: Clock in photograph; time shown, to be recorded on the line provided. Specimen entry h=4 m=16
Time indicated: h=12 m=33
